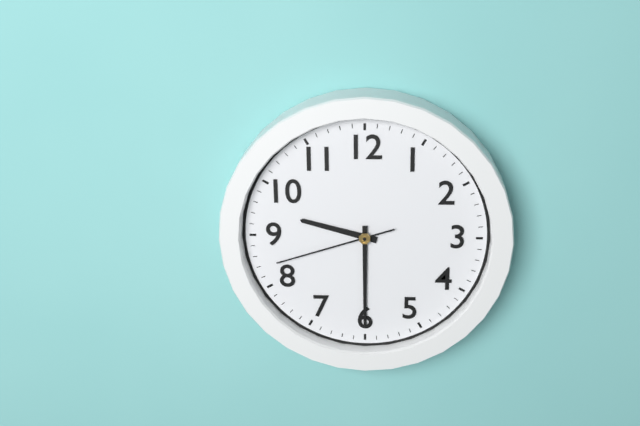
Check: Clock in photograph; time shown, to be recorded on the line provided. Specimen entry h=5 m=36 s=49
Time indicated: h=9 m=30 s=42
